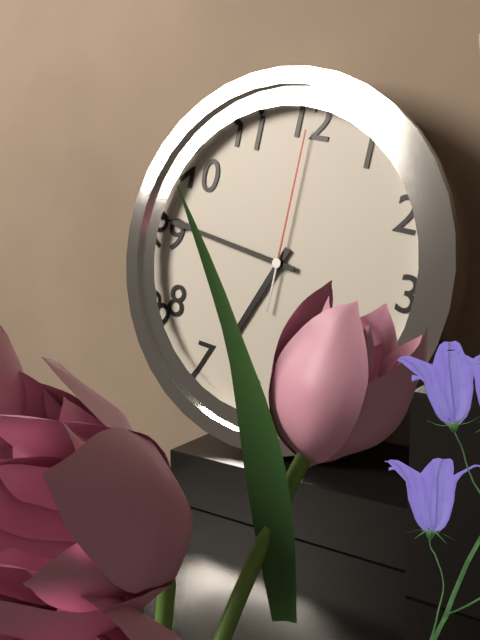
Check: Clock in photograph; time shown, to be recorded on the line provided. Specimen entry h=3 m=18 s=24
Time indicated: h=6 m=46 s=0
